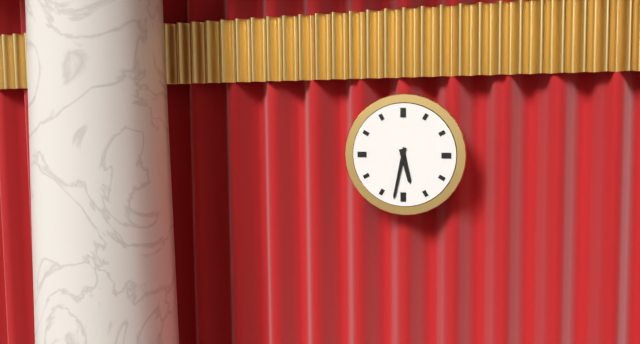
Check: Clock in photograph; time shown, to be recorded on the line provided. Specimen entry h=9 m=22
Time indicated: h=5 m=32
